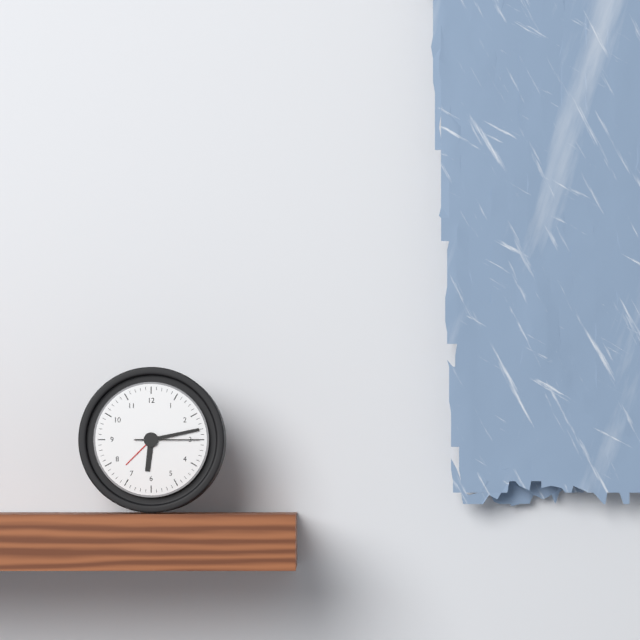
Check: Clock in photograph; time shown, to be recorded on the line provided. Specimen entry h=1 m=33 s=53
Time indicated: h=6 m=13 s=15
